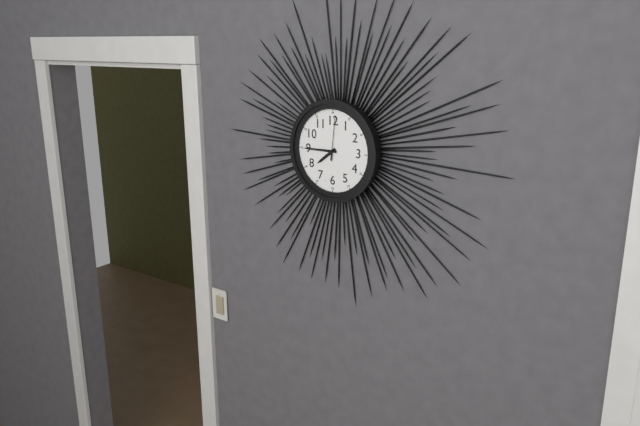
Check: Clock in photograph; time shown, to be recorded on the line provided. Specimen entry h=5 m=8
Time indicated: h=7 m=45
